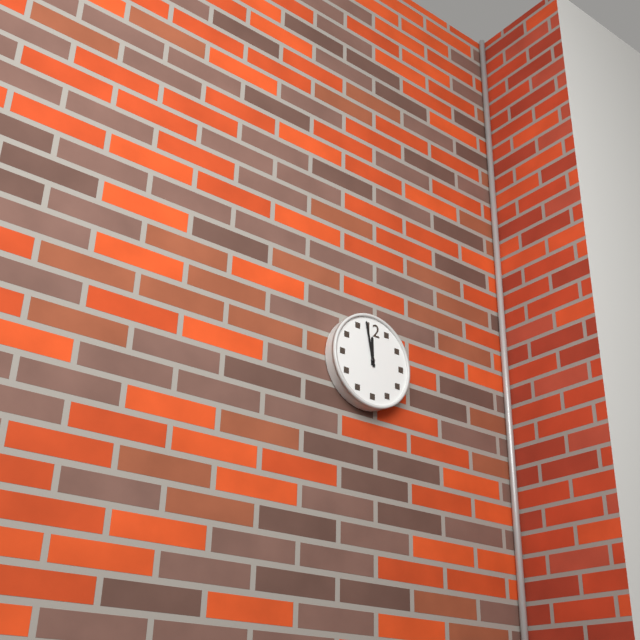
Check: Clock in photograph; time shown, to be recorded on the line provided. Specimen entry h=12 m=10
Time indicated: h=11 m=58
